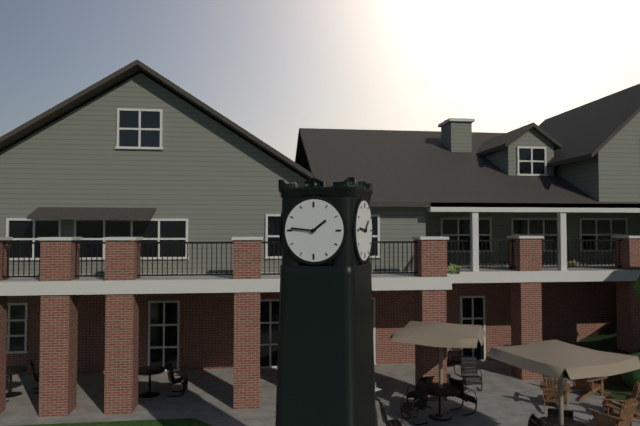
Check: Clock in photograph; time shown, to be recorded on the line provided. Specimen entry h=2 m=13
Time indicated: h=1 m=46
